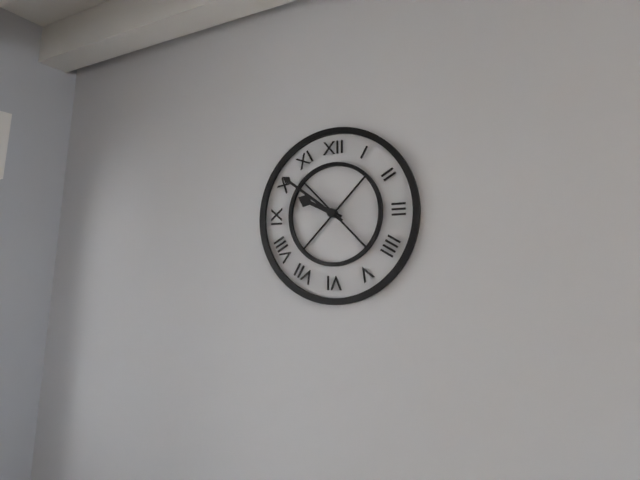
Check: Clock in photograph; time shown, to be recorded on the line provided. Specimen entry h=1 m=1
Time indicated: h=9 m=51
